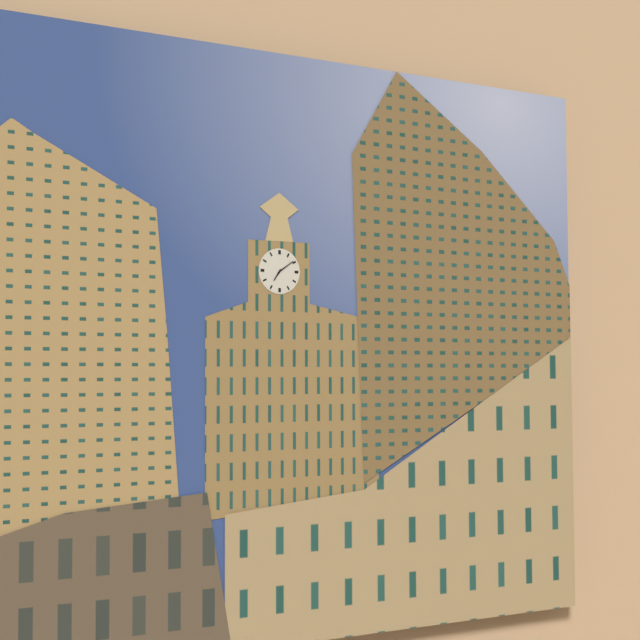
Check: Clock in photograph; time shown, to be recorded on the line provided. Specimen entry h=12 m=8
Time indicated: h=7 m=9
